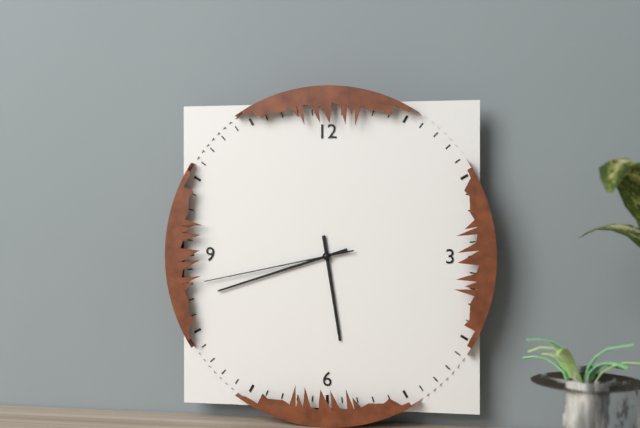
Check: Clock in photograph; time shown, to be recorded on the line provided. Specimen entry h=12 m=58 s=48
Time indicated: h=5 m=42 s=43
